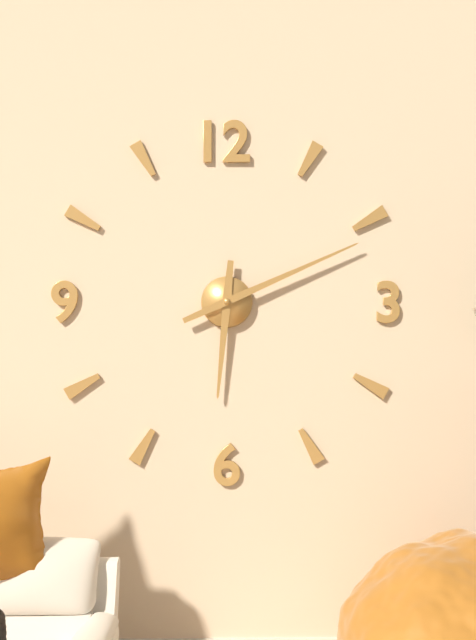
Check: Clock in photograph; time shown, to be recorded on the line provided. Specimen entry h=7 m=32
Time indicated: h=6 m=11
